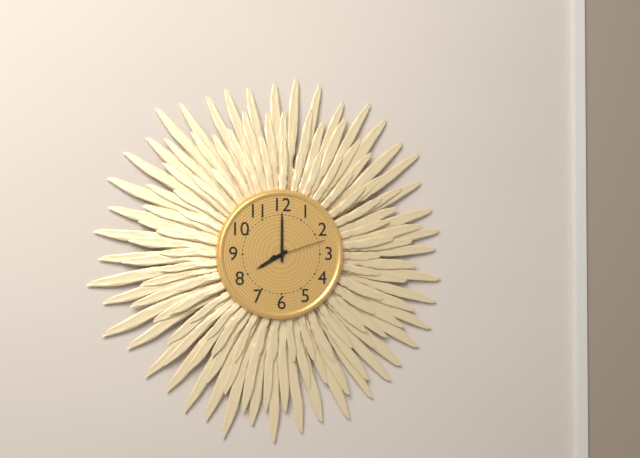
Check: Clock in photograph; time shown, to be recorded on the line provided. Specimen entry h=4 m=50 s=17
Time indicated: h=8 m=0 s=12
